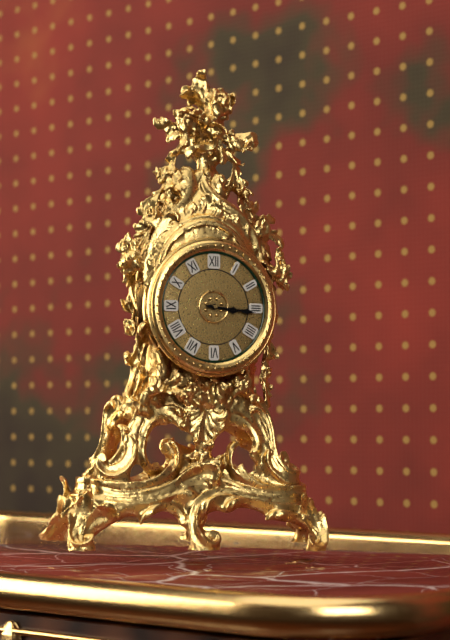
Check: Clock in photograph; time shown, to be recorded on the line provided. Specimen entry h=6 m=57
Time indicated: h=3 m=16
